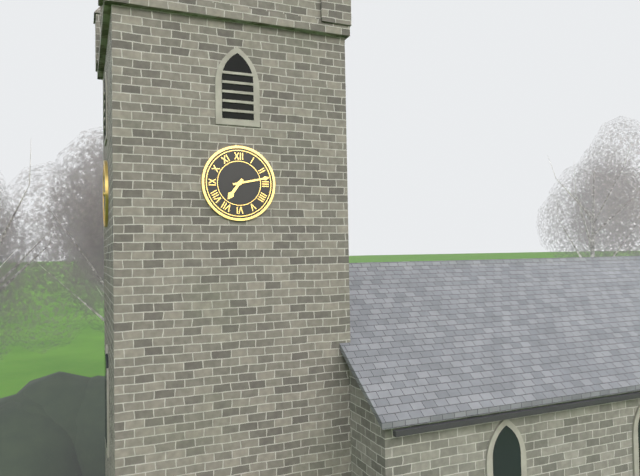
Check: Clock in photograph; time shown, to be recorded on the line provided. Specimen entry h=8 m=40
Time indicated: h=7 m=13
